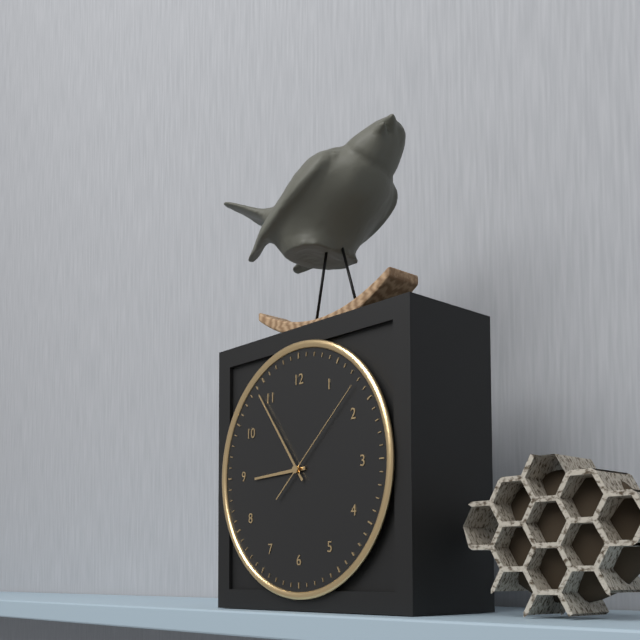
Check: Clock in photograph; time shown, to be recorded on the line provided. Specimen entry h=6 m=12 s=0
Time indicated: h=8 m=54 s=8
